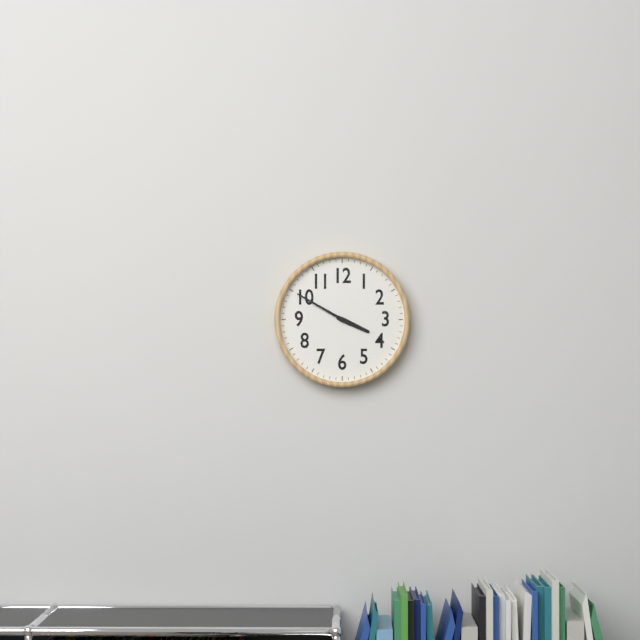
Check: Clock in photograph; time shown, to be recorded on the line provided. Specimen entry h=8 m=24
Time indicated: h=3 m=50
